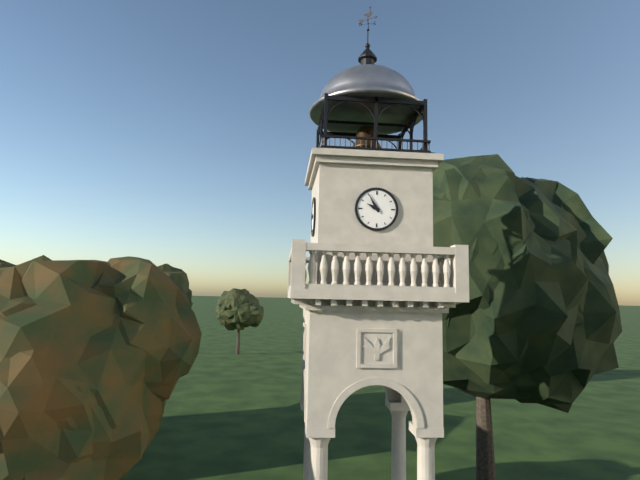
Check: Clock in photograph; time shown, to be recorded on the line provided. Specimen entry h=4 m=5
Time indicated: h=9 m=55
